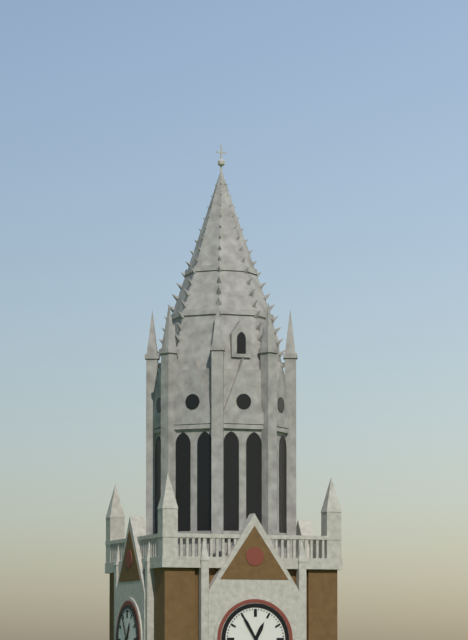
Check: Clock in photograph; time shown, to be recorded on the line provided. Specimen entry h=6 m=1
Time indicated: h=12 m=55
